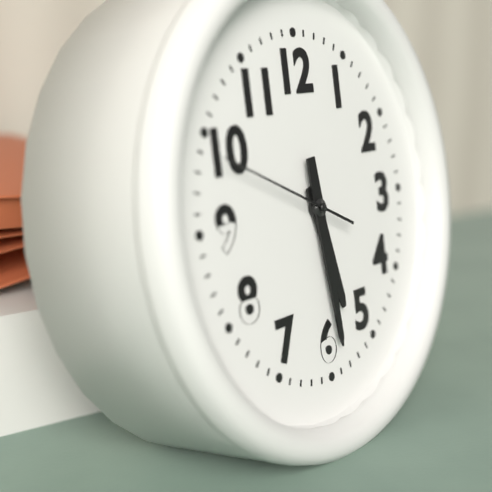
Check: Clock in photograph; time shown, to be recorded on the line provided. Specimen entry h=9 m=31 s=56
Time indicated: h=5 m=29 s=49
